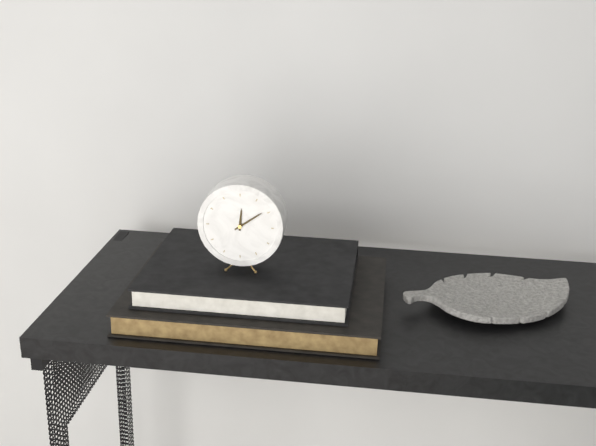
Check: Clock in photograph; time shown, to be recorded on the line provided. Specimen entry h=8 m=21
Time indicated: h=12 m=9
